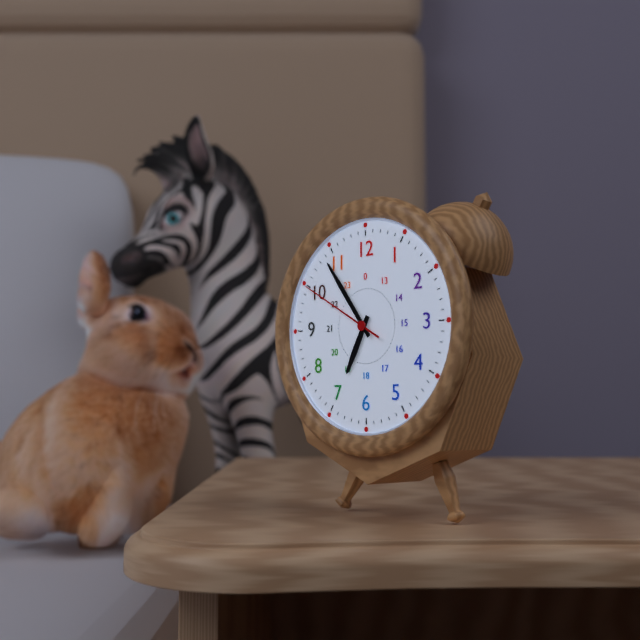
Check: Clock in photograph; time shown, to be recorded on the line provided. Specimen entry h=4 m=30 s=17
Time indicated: h=6 m=54 s=50
